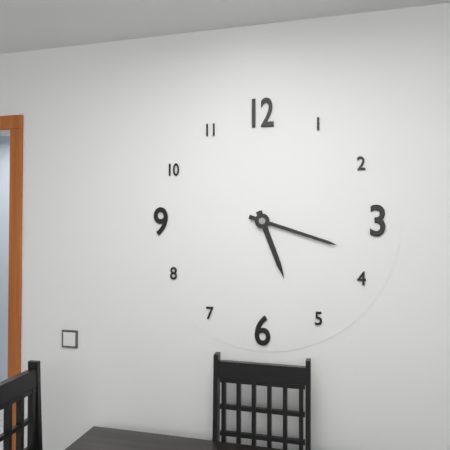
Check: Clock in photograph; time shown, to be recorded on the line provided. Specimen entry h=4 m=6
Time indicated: h=5 m=18
